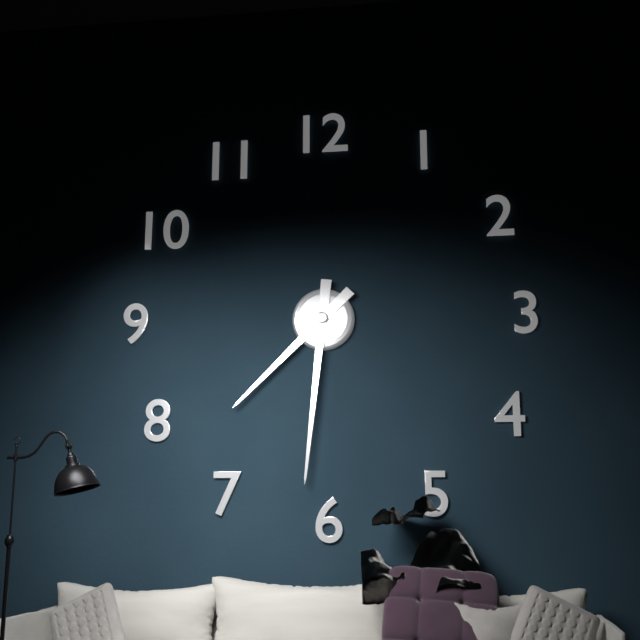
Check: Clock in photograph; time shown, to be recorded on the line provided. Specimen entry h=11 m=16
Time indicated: h=7 m=31
